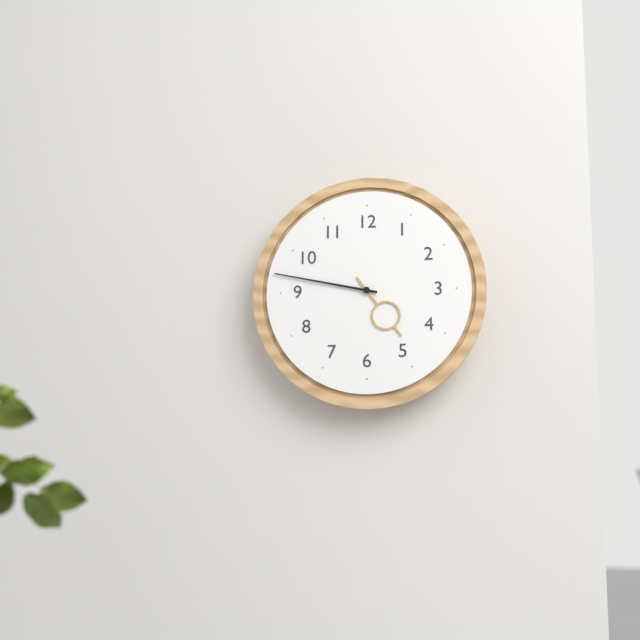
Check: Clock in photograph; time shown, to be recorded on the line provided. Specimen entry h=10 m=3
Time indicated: h=4 m=47
